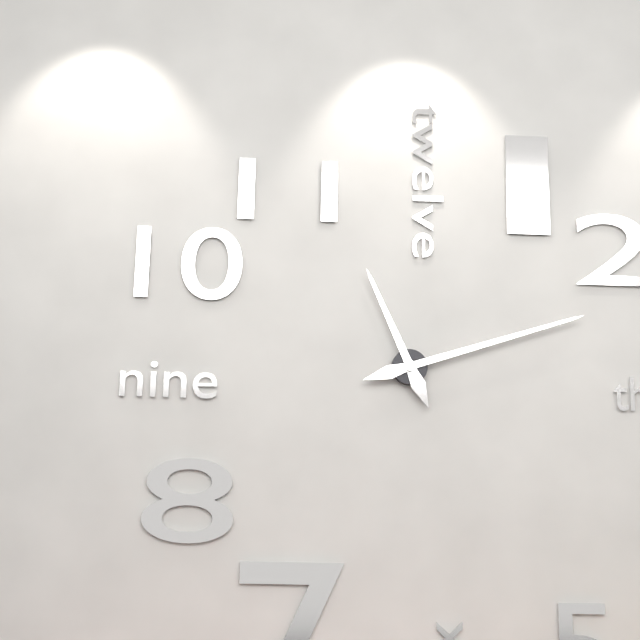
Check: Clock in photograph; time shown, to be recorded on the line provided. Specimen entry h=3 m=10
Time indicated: h=11 m=12
